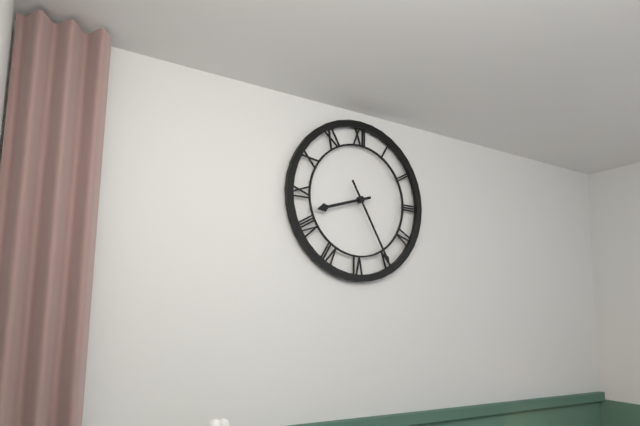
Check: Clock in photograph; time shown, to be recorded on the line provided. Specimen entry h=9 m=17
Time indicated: h=8 m=25
